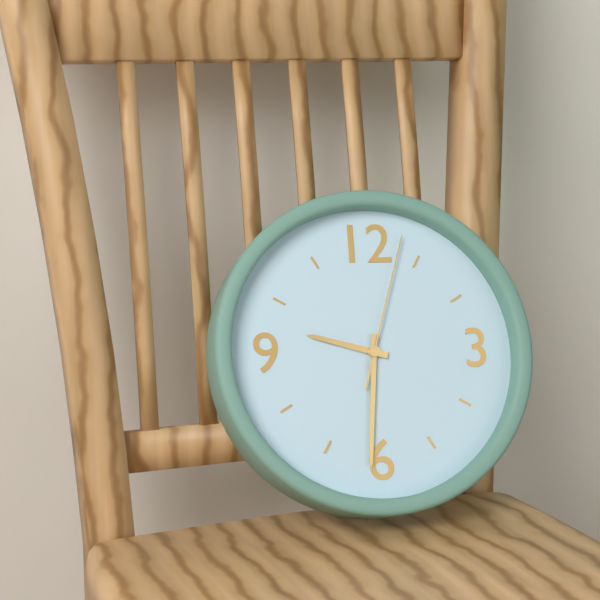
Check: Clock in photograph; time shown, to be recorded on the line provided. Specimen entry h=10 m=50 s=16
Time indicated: h=9 m=31 s=3
